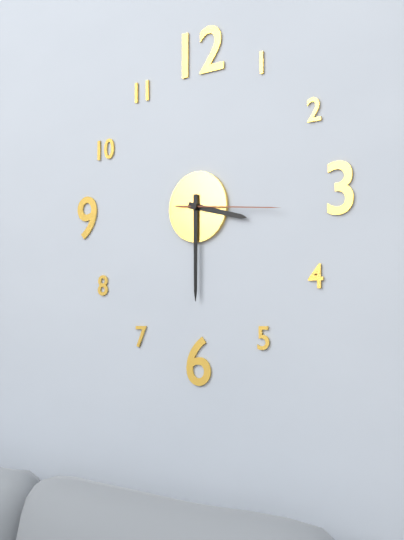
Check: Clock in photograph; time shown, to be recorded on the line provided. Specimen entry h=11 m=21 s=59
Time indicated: h=3 m=30 s=16
